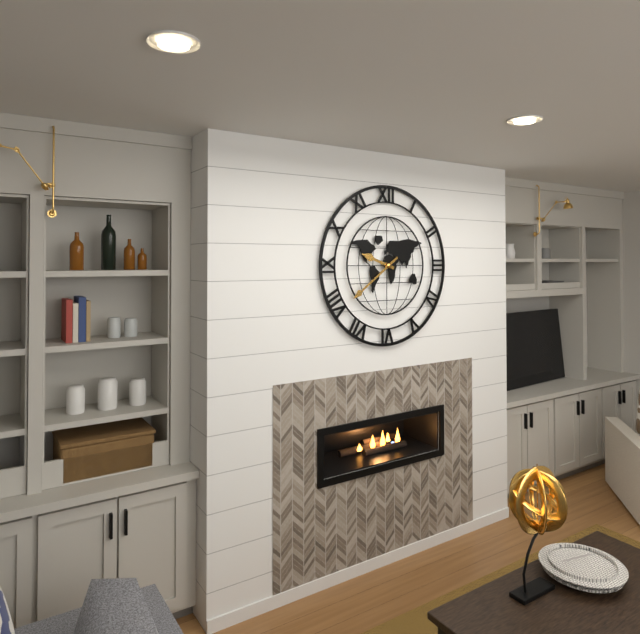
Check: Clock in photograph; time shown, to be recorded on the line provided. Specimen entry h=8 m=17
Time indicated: h=9 m=39
